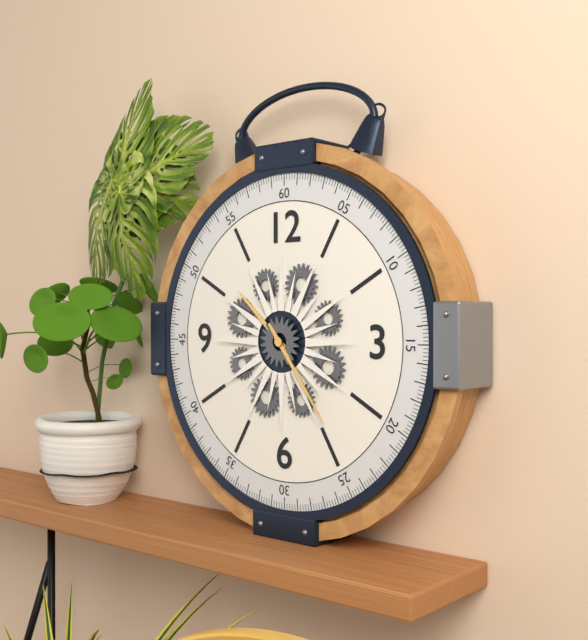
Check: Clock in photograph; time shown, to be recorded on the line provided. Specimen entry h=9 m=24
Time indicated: h=10 m=24
